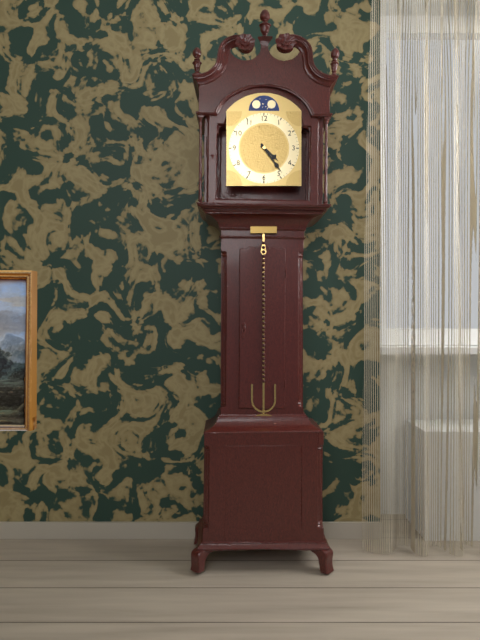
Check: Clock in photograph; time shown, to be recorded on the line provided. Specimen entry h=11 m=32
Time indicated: h=4 m=24
